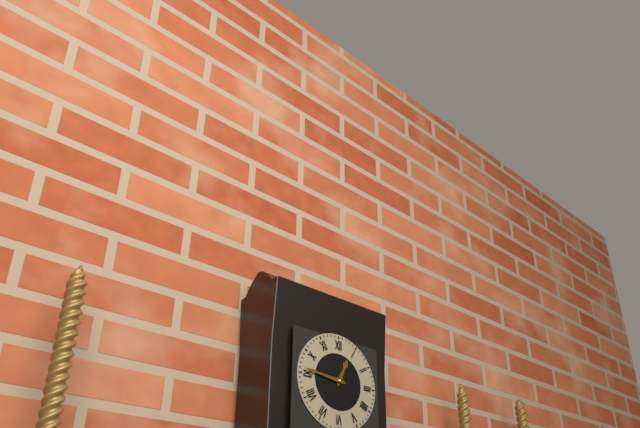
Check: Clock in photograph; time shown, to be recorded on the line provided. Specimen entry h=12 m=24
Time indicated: h=12 m=46
